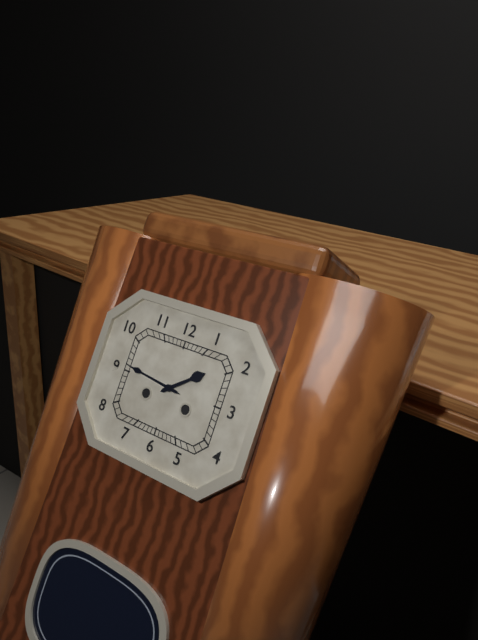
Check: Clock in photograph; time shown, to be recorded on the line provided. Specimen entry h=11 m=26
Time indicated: h=1 m=46
